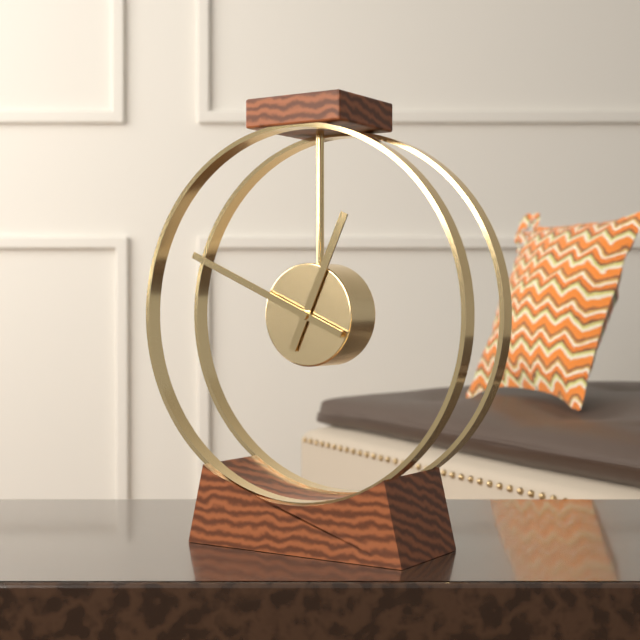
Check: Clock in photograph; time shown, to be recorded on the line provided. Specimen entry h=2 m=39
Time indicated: h=12 m=49
